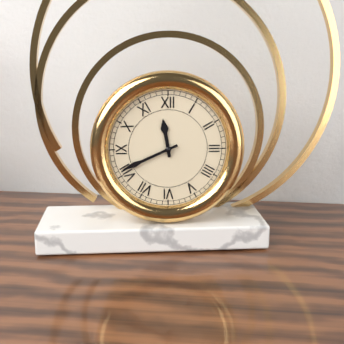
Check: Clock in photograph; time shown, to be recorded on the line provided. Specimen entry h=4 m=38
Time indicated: h=11 m=41
